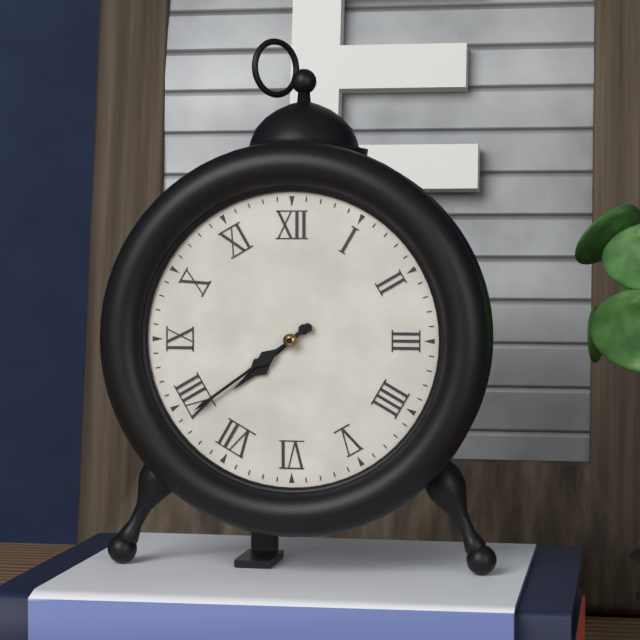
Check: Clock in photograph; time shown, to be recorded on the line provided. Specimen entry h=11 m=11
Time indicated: h=7 m=39
